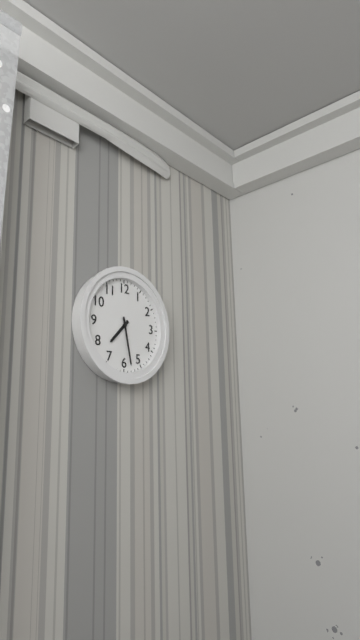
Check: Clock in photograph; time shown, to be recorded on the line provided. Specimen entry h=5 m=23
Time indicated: h=7 m=28
